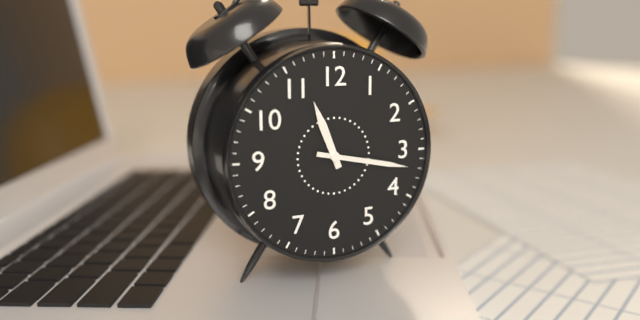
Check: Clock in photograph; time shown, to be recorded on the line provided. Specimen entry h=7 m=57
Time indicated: h=11 m=17
